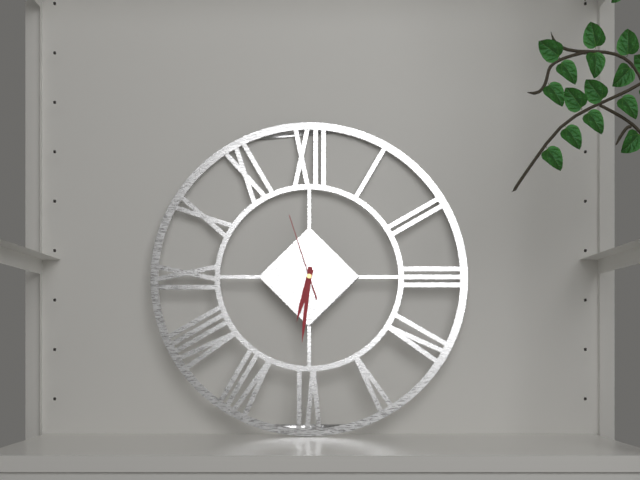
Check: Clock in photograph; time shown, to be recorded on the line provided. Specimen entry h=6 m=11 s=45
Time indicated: h=6 m=31 s=57
